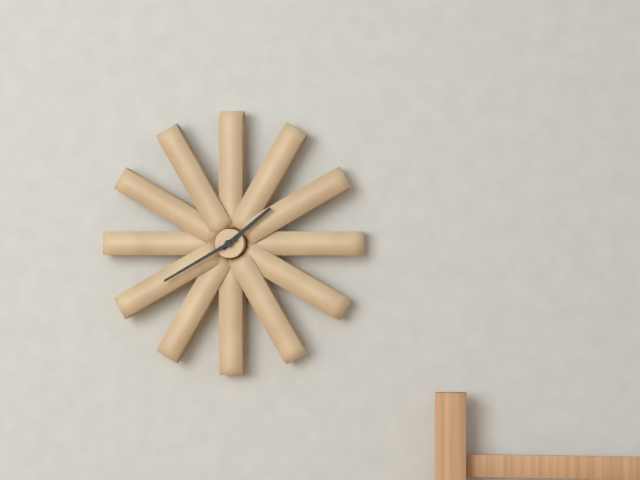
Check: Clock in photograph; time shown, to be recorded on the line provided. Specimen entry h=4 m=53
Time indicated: h=1 m=40
